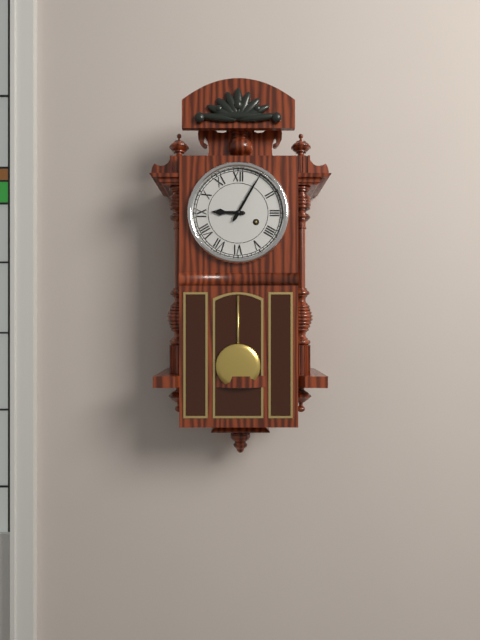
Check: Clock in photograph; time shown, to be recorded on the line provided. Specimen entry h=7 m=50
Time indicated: h=9 m=5
